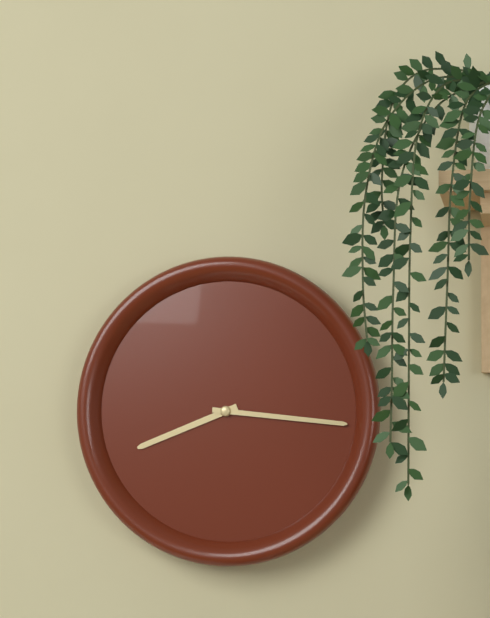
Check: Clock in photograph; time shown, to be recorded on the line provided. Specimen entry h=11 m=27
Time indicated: h=8 m=16
